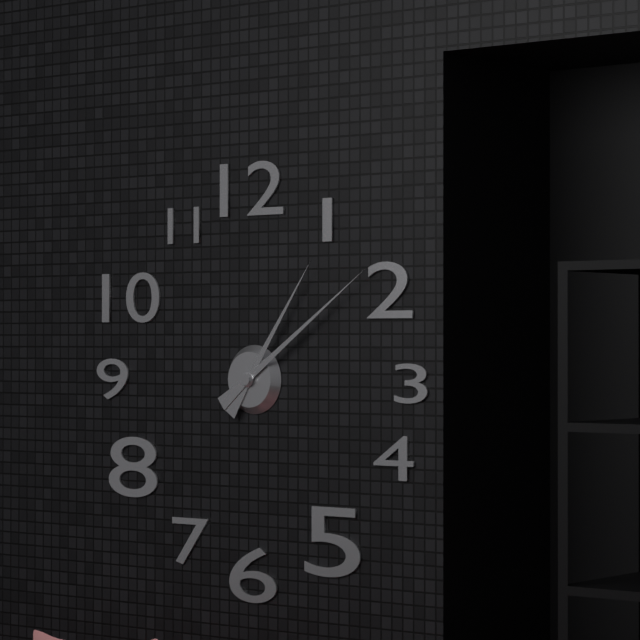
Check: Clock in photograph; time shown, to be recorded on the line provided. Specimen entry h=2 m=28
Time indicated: h=1 m=9
